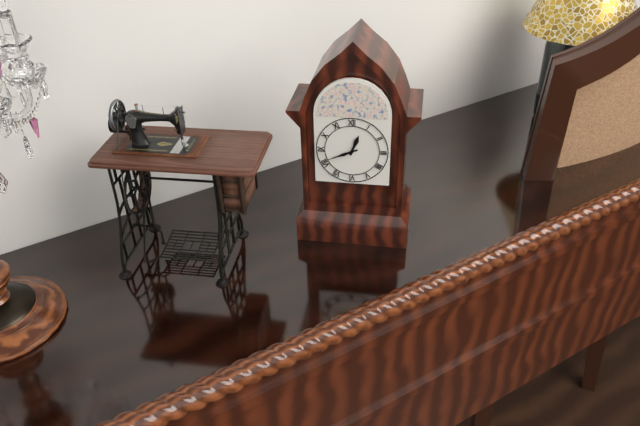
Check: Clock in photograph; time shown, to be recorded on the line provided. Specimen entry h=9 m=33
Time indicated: h=12 m=41
